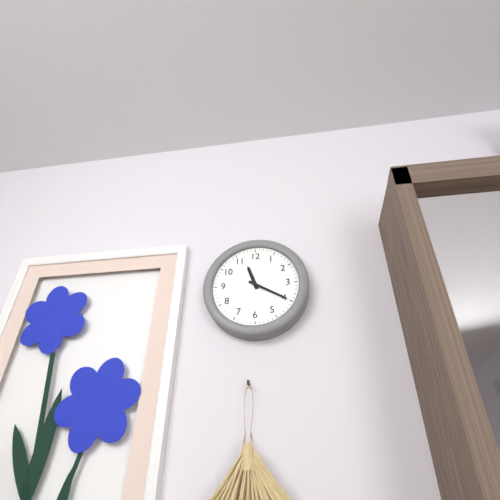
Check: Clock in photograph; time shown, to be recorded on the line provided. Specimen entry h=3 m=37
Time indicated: h=11 m=20
